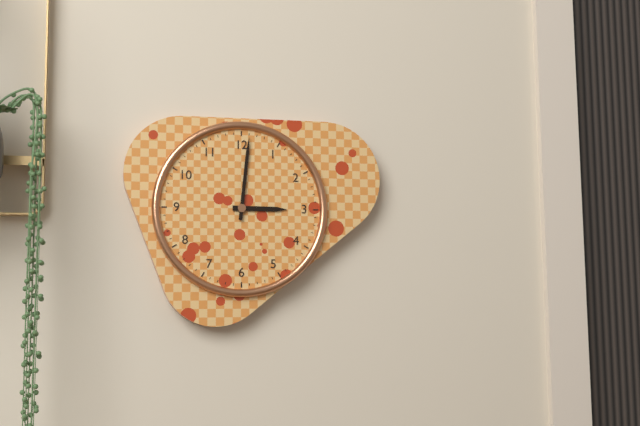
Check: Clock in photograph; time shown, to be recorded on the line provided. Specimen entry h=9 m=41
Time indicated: h=3 m=1
